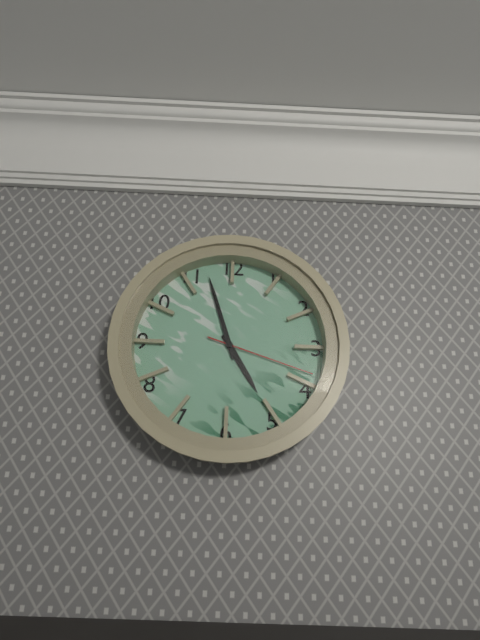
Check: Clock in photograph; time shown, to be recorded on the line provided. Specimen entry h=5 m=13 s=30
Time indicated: h=4 m=57 s=18
